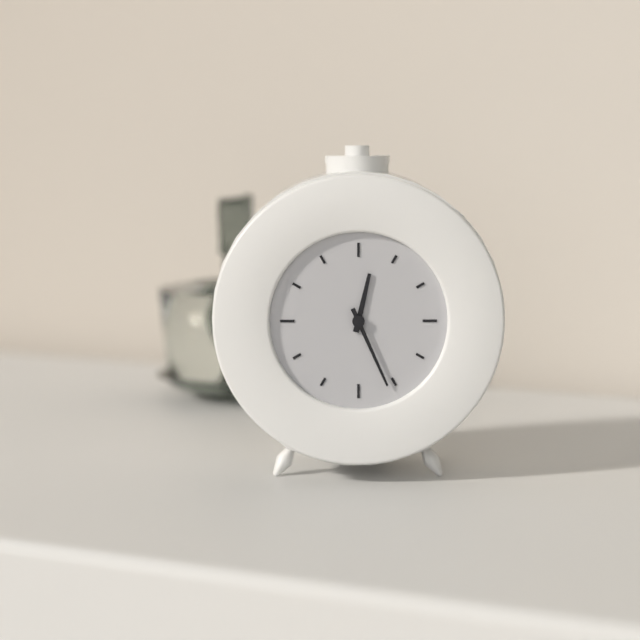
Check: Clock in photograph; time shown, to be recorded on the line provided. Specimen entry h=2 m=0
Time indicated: h=12 m=26
